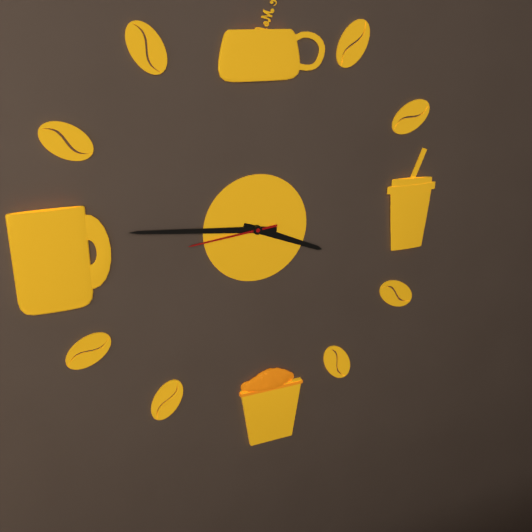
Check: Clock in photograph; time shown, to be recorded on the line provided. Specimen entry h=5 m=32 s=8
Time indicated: h=3 m=46 s=44
